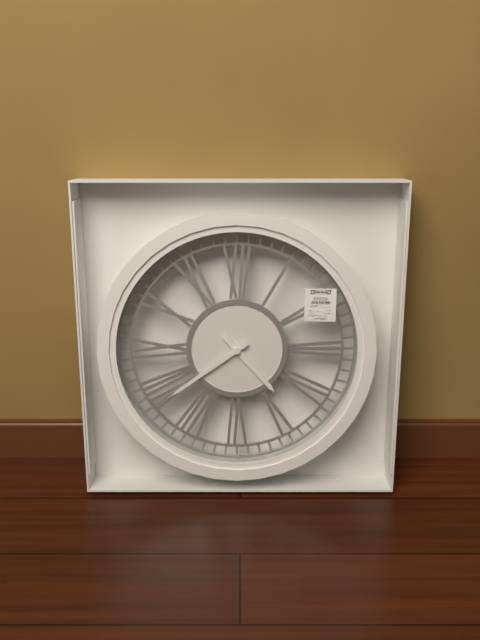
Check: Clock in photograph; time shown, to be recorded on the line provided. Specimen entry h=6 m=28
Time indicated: h=4 m=39
